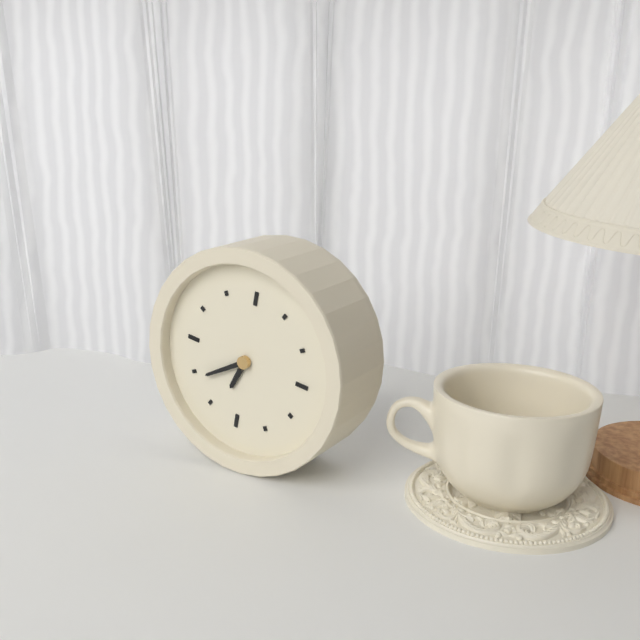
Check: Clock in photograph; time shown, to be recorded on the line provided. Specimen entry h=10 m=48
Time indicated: h=6 m=39
